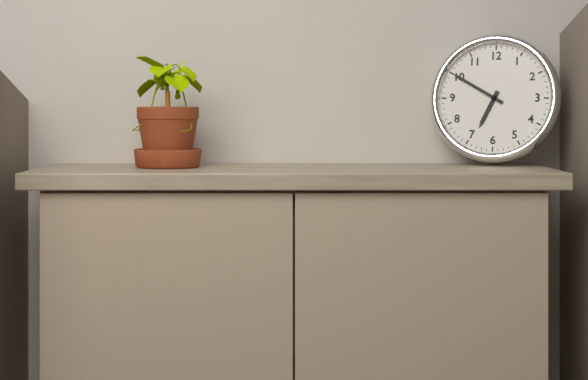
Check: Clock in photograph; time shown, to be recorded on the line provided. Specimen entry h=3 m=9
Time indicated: h=6 m=50
